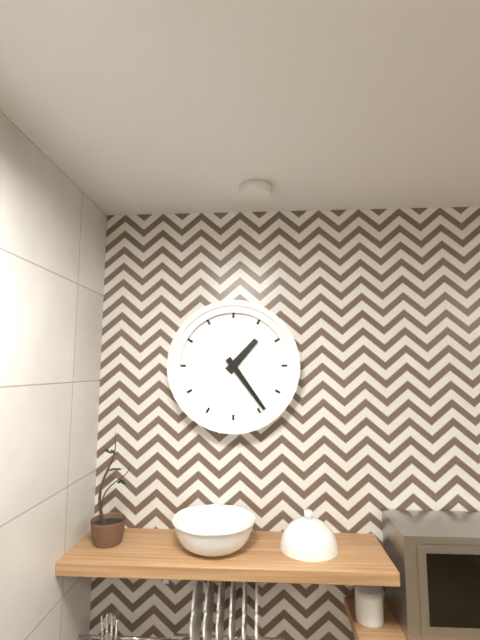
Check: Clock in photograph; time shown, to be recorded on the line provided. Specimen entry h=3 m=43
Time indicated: h=1 m=24
